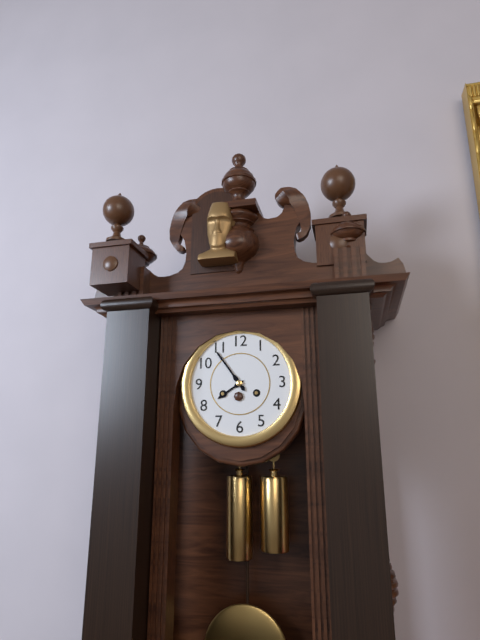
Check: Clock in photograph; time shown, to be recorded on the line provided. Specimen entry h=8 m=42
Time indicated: h=7 m=54
